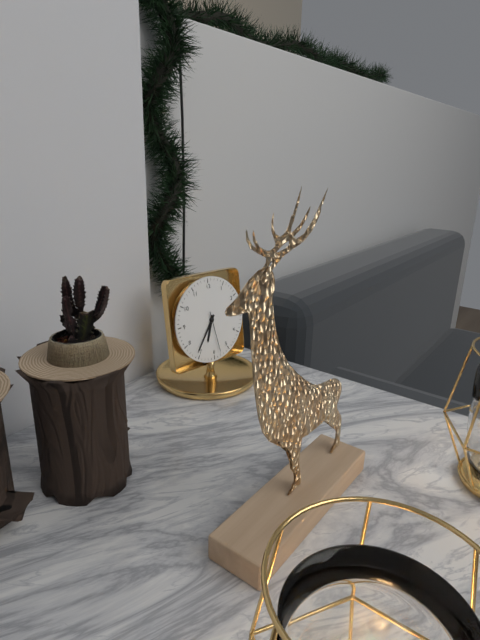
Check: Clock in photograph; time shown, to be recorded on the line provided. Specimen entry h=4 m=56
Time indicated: h=6 m=36
